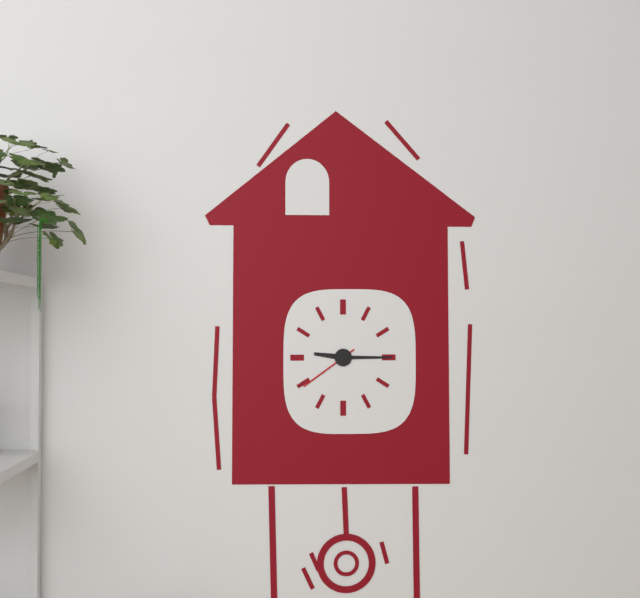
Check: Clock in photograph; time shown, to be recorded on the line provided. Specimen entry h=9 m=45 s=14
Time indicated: h=9 m=15 s=39
